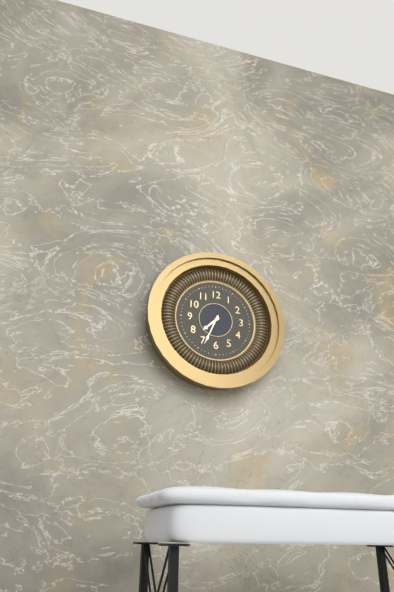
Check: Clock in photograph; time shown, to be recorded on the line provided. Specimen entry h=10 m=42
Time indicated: h=7 m=34
